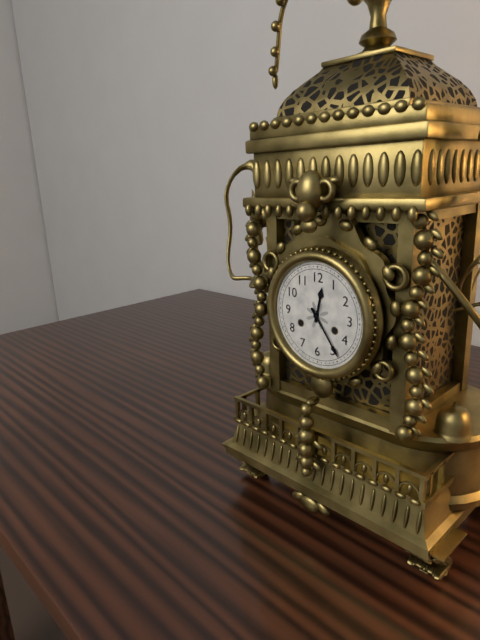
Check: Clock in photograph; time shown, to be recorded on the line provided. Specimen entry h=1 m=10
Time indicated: h=12 m=24
